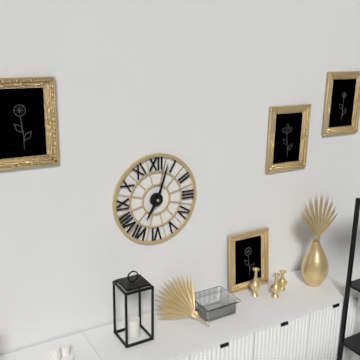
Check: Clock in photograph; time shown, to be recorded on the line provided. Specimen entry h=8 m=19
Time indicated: h=7 m=3
